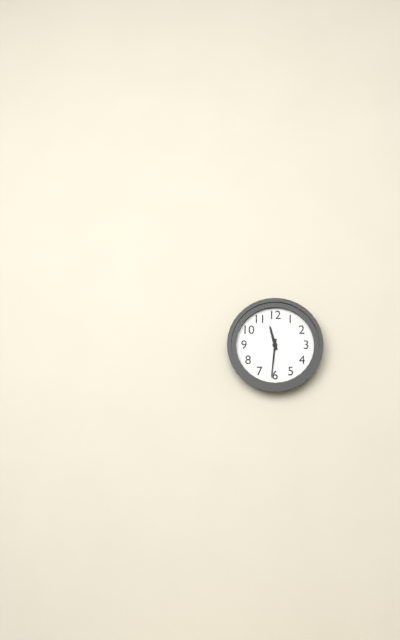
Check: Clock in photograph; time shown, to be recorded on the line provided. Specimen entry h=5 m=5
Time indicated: h=11 m=31
